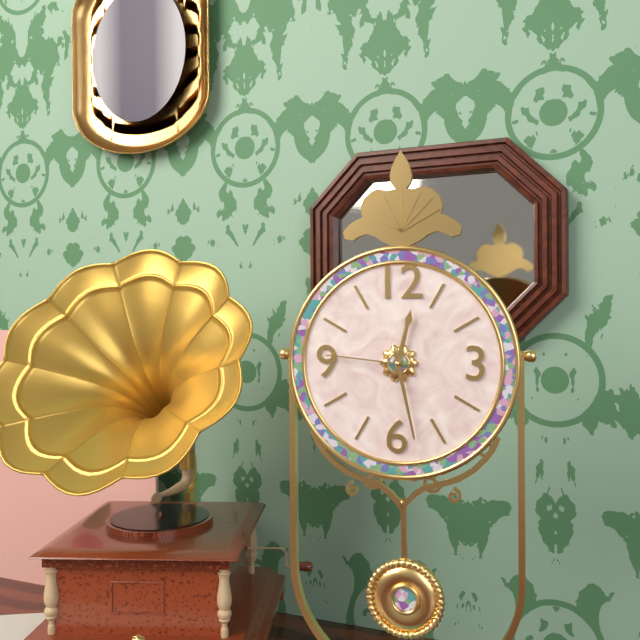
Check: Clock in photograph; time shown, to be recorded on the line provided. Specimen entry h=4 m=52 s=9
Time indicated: h=12 m=28 s=46
